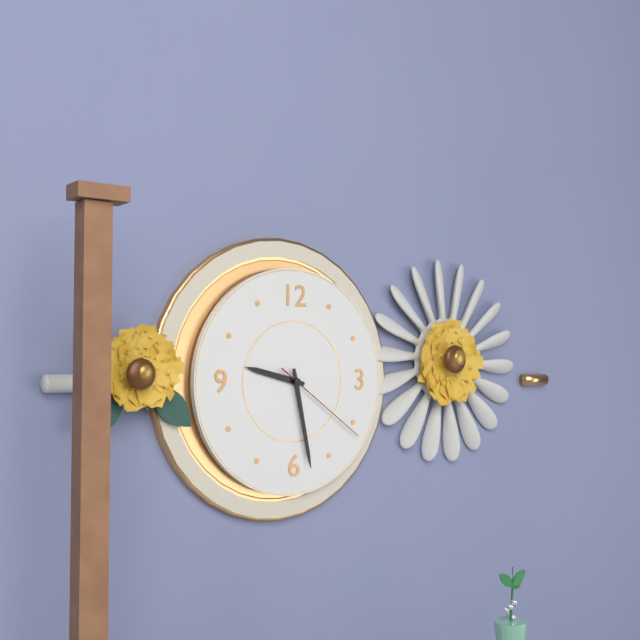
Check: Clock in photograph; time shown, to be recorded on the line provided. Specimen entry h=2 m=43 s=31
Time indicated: h=9 m=28 s=21
